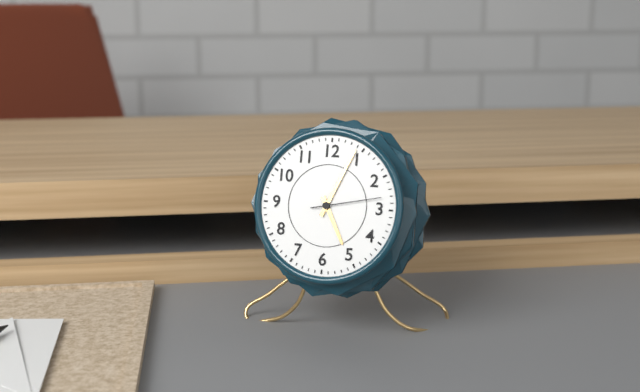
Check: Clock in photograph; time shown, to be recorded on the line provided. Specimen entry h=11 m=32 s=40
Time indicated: h=5 m=4 s=13
